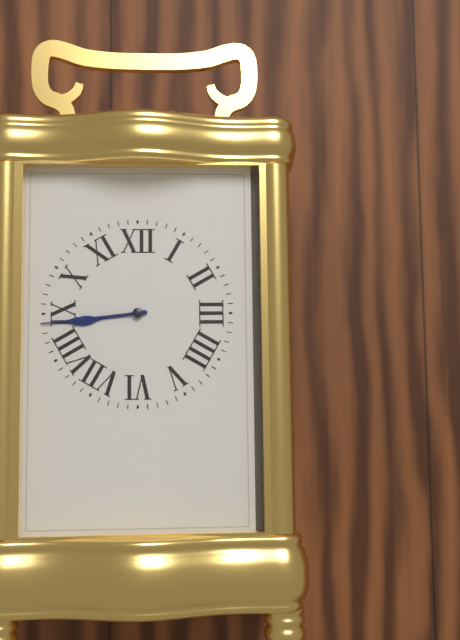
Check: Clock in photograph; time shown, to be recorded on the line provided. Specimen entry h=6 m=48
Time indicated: h=8 m=44
